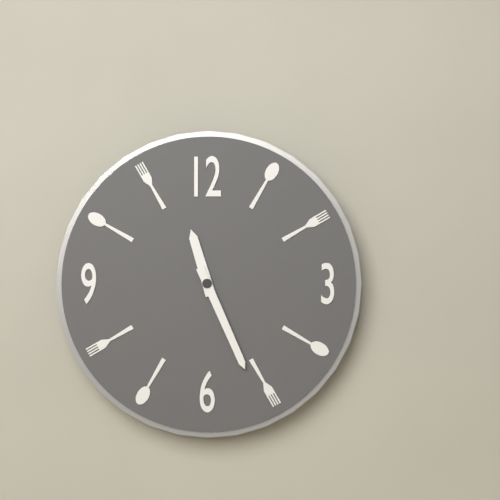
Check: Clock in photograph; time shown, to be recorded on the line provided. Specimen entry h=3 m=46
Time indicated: h=11 m=26
